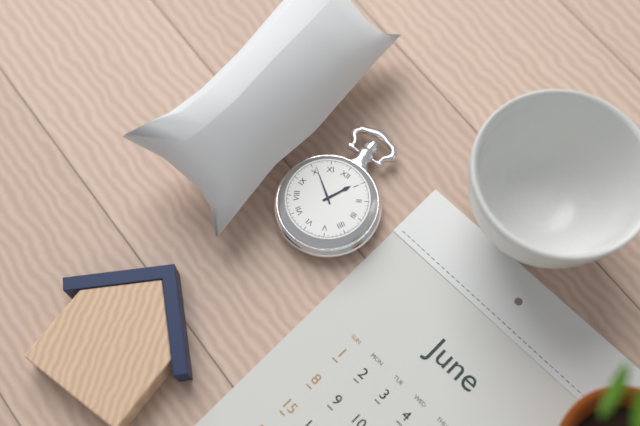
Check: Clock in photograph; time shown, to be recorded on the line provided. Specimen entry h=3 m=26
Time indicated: h=12 m=51
